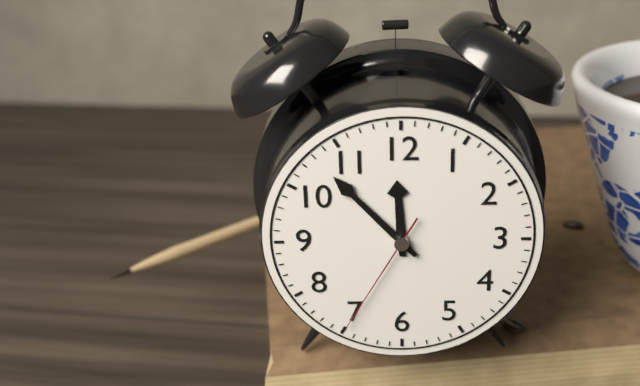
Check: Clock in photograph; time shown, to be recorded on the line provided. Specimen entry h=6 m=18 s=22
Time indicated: h=11 m=53 s=35
